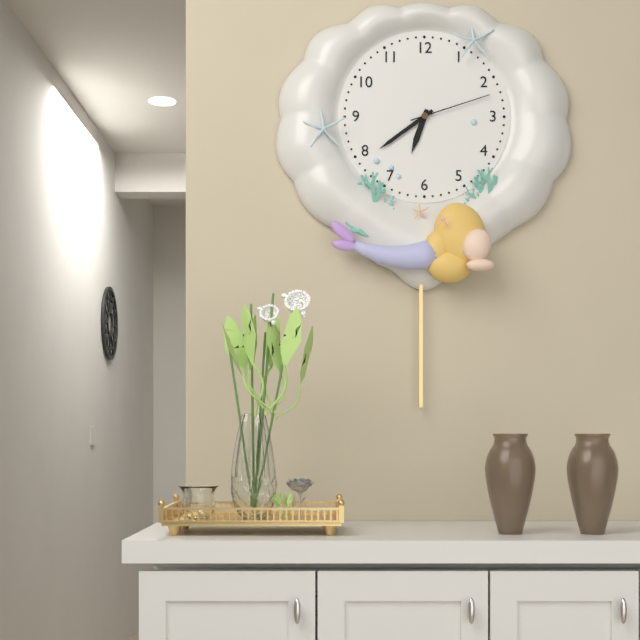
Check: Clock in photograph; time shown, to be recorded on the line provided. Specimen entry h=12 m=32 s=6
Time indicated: h=6 m=39 s=12
